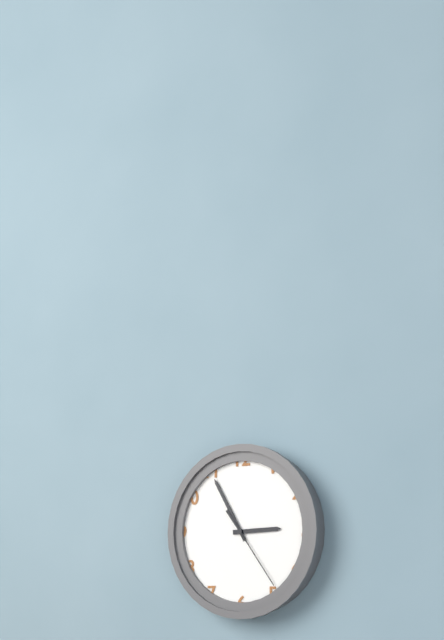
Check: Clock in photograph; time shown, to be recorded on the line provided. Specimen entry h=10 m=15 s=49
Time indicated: h=2 m=55 s=24
